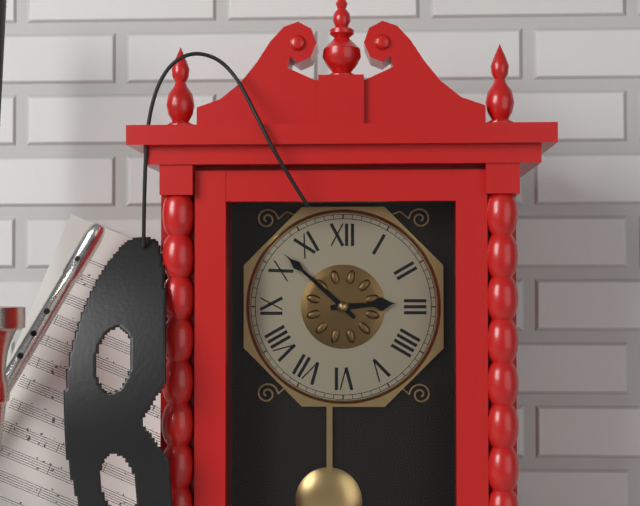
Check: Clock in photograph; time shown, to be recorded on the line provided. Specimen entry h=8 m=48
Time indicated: h=2 m=52
